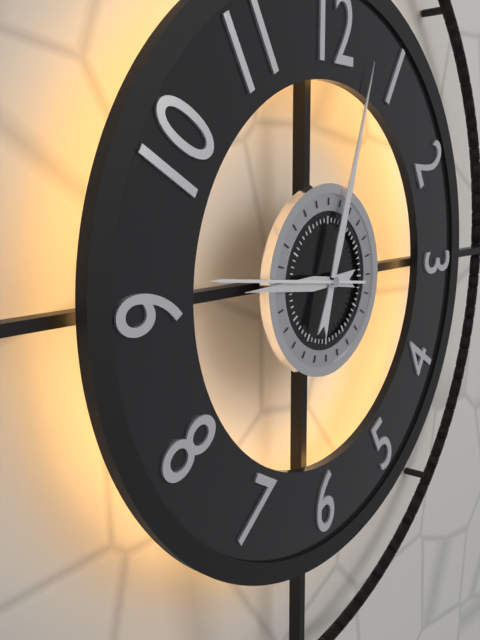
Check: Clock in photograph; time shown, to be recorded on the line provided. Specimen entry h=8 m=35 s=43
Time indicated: h=9 m=3 s=46
